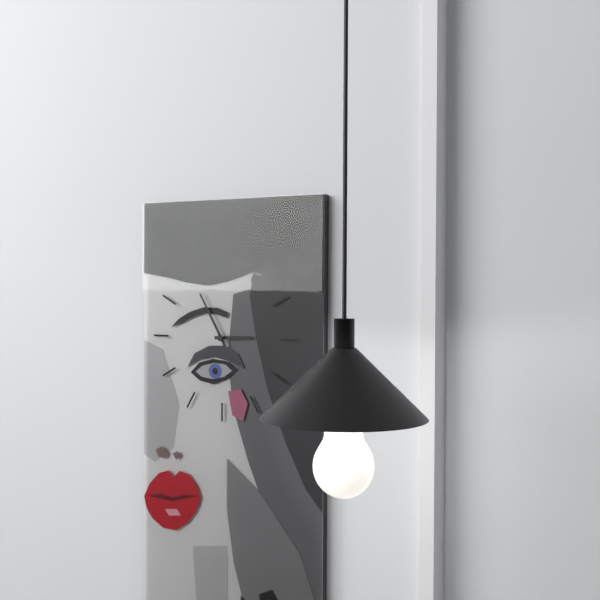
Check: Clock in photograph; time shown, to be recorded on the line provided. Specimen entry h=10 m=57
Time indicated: h=2 m=55
